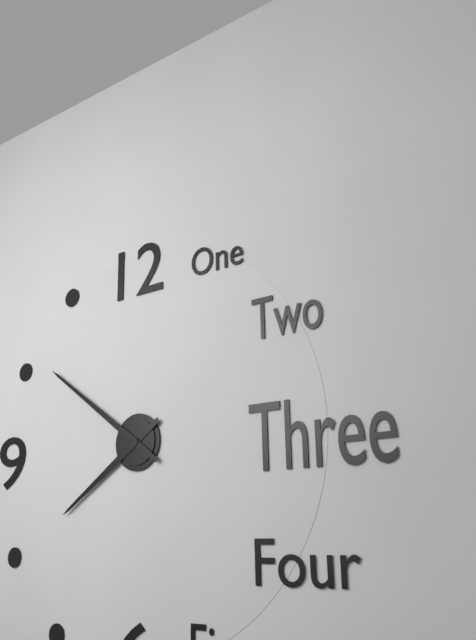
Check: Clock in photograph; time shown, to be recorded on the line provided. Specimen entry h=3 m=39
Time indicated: h=7 m=51
